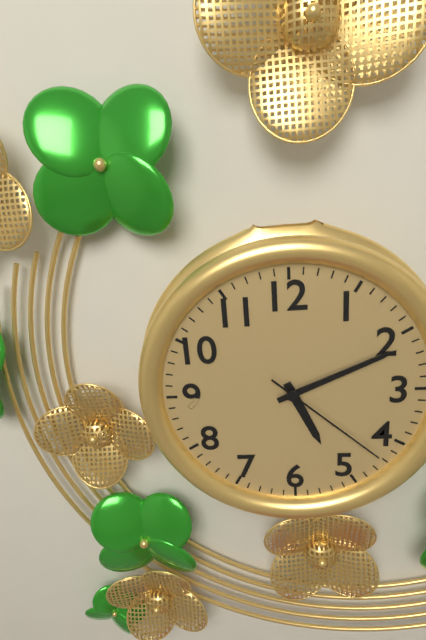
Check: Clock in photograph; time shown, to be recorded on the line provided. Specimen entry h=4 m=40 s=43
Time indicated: h=5 m=11 s=22
